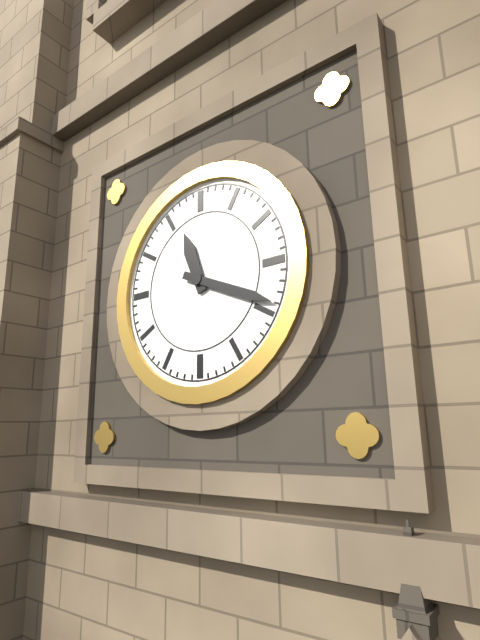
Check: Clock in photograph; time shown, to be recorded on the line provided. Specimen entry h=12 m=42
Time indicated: h=11 m=19
